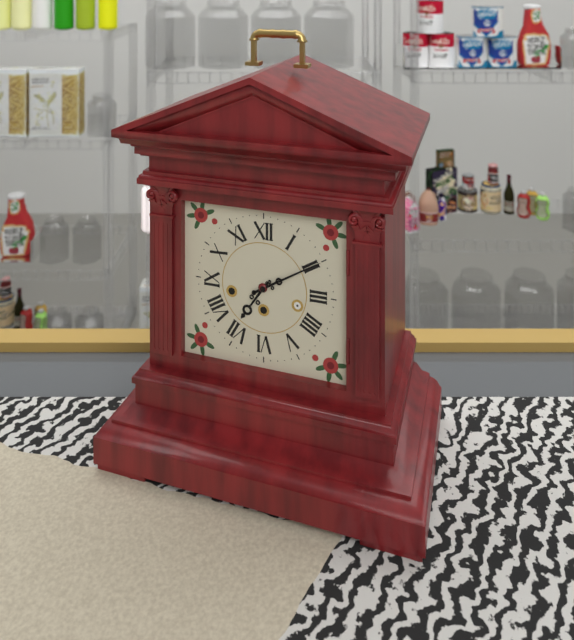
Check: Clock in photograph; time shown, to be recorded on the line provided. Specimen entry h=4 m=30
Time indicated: h=7 m=10
